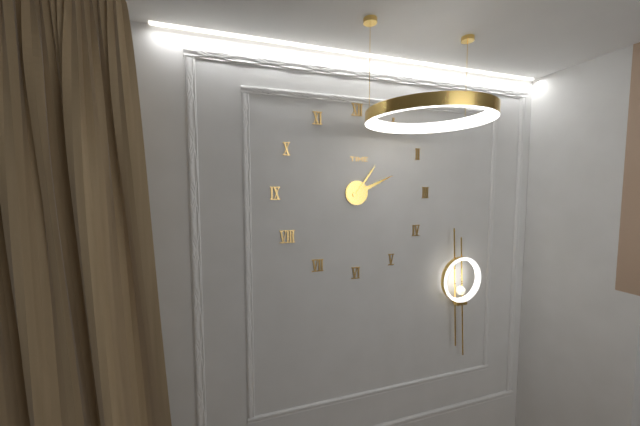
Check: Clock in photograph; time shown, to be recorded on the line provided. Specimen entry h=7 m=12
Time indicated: h=1 m=11
